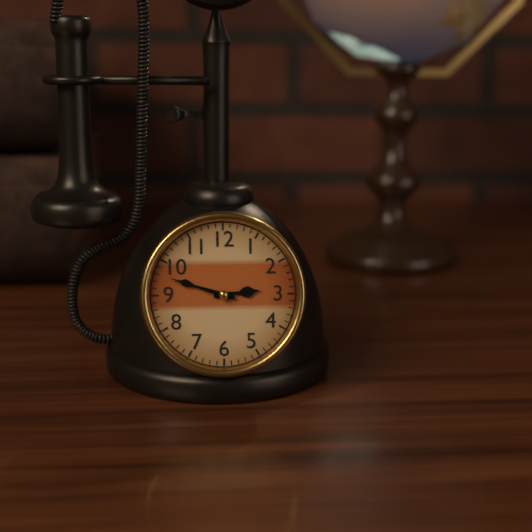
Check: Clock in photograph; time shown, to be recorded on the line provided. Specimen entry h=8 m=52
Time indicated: h=2 m=48
